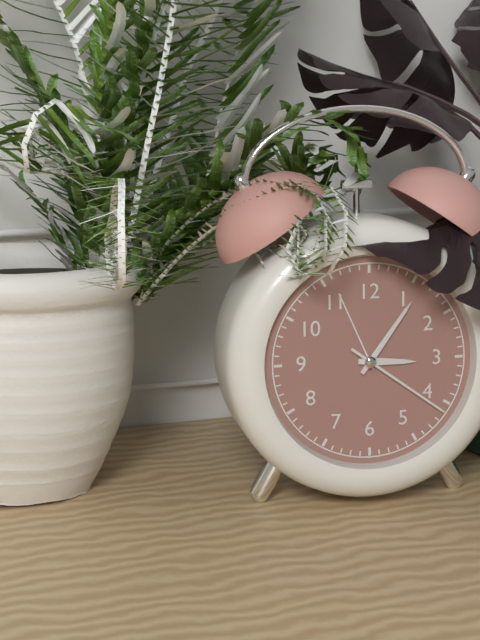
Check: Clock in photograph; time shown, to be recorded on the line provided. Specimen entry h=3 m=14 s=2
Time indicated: h=3 m=6 s=21
